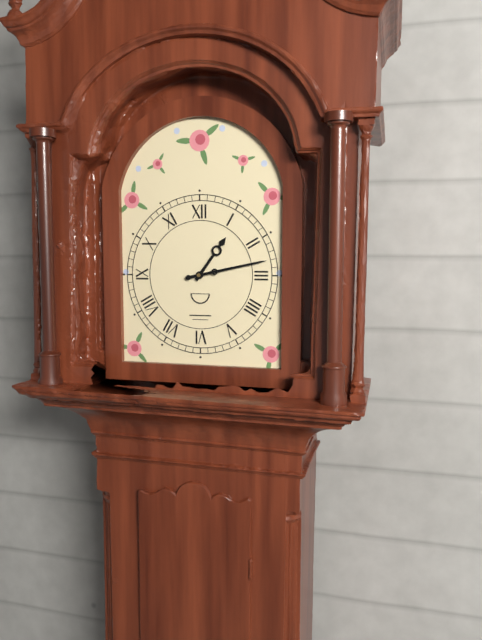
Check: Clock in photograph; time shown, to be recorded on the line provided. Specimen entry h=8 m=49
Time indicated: h=1 m=13
